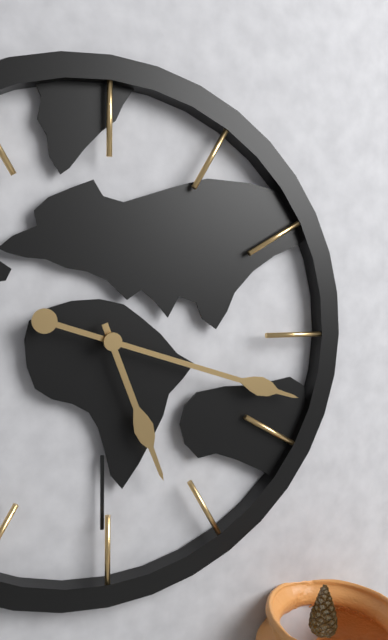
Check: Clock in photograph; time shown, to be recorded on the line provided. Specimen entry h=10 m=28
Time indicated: h=5 m=18
